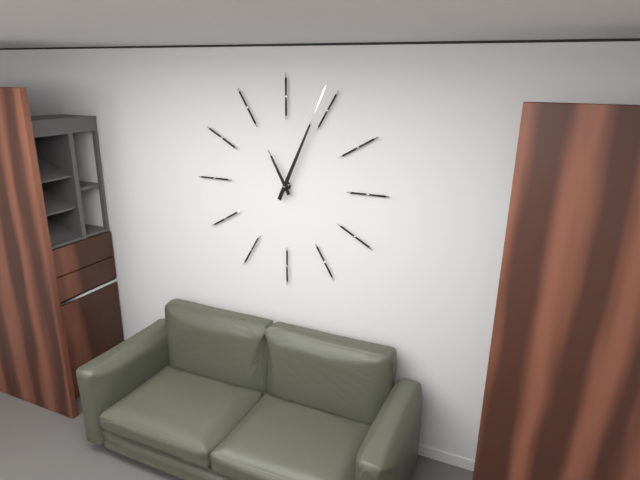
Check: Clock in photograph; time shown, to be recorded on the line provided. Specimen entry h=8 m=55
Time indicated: h=11 m=4
